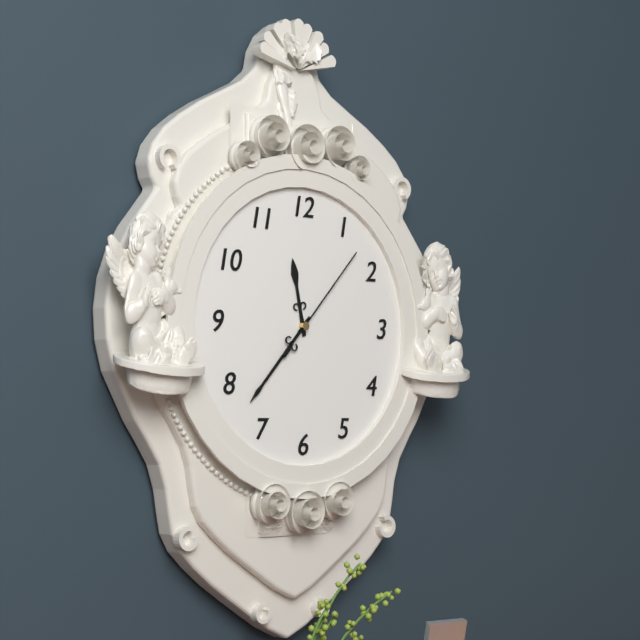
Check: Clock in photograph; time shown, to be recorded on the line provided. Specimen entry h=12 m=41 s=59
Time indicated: h=11 m=37 s=7
